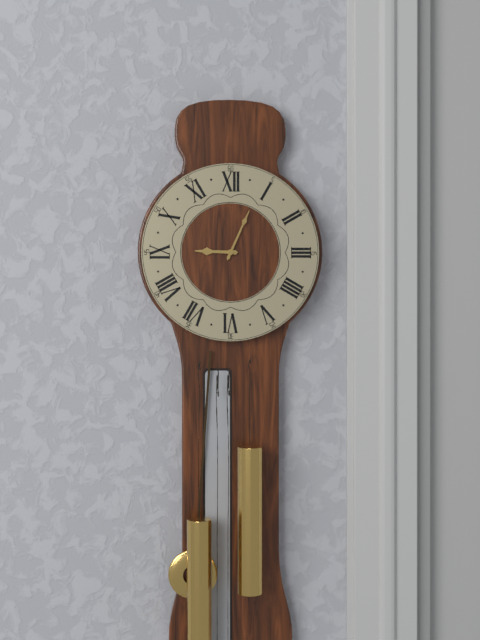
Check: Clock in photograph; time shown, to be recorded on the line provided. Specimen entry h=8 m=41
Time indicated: h=9 m=4
